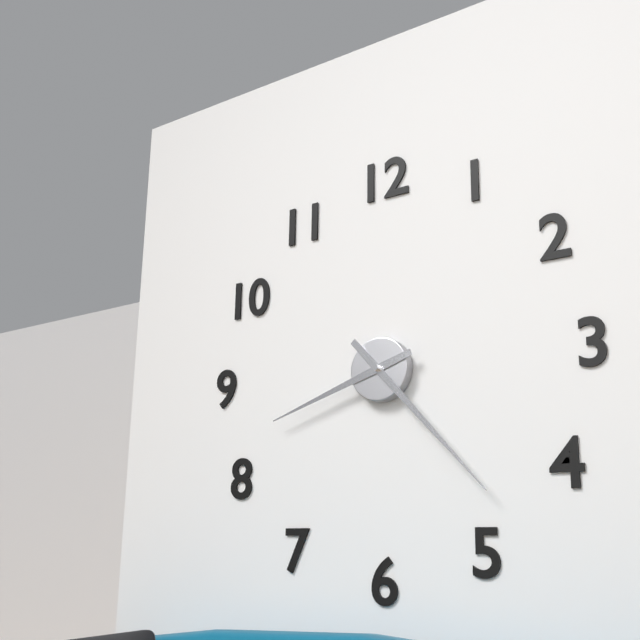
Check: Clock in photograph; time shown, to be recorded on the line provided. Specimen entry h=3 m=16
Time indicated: h=8 m=23
